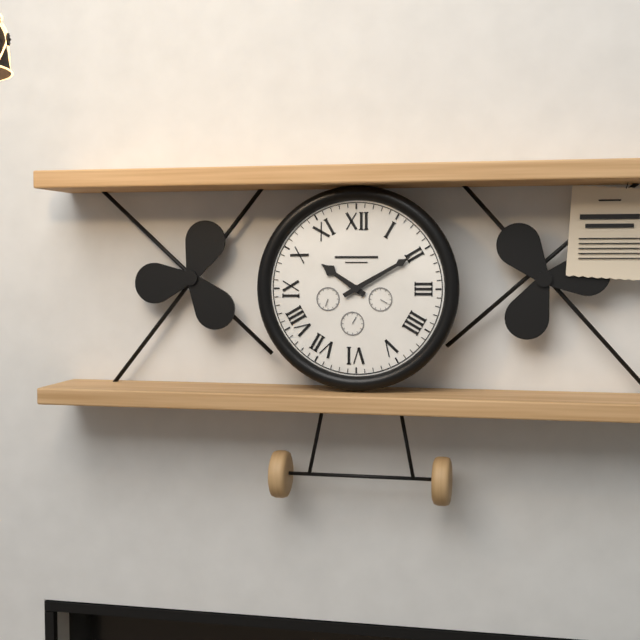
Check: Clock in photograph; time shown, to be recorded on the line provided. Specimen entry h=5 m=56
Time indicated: h=10 m=10
